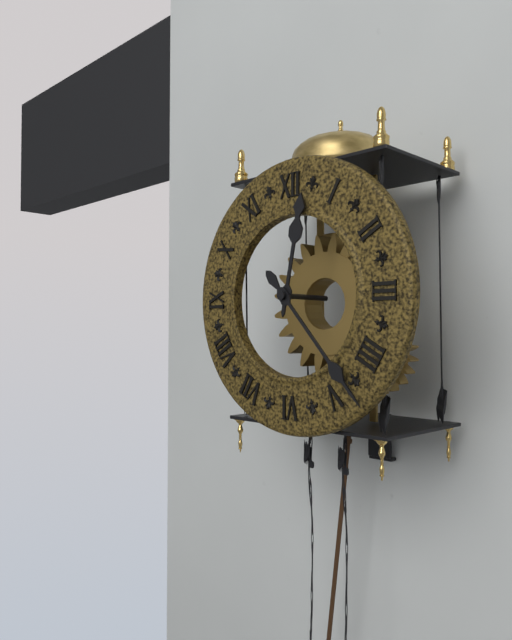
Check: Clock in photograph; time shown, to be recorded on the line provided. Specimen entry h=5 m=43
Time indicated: h=12 m=23
